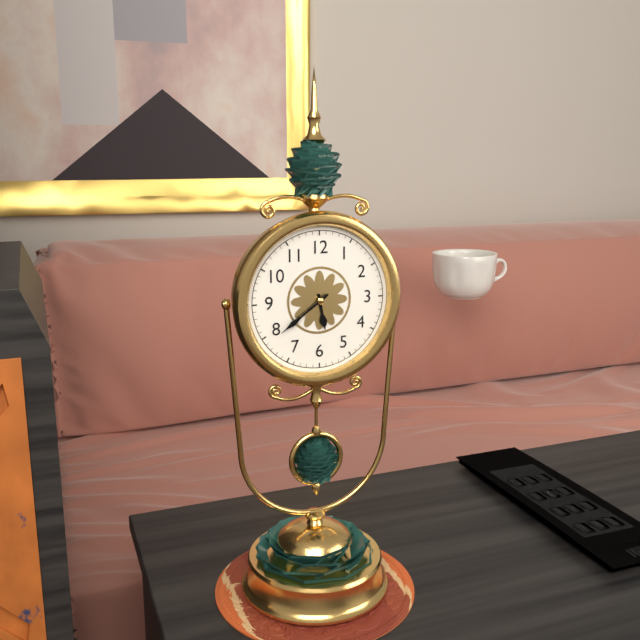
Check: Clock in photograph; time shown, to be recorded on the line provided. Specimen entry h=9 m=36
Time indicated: h=5 m=39
